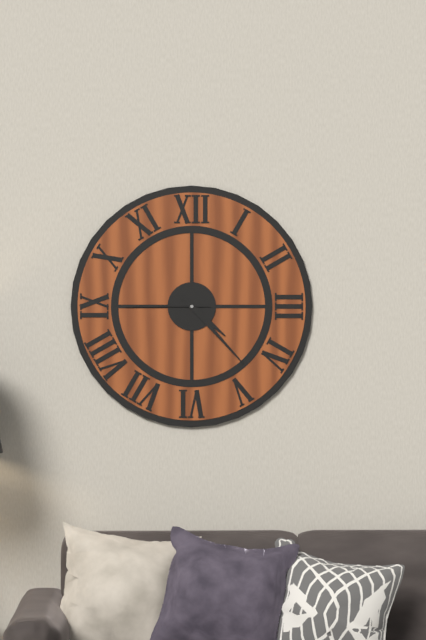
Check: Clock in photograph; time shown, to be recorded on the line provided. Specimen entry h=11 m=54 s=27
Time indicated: h=4 m=23 s=45
